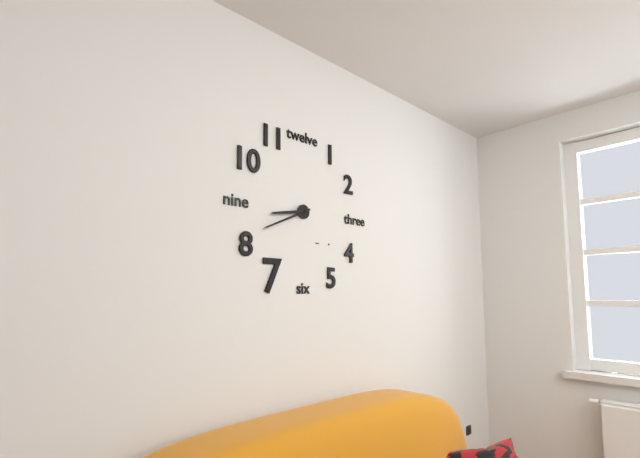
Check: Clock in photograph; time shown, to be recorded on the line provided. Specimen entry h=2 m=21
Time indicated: h=8 m=41
